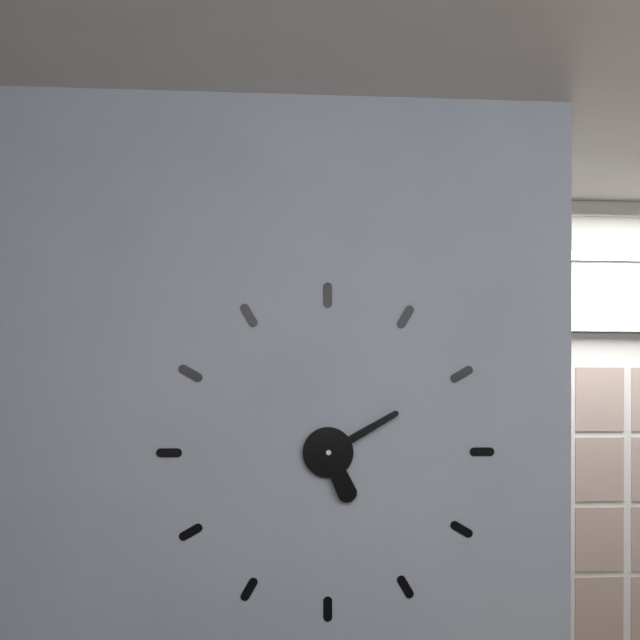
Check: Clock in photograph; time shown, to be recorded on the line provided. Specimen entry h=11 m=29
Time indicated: h=5 m=10
